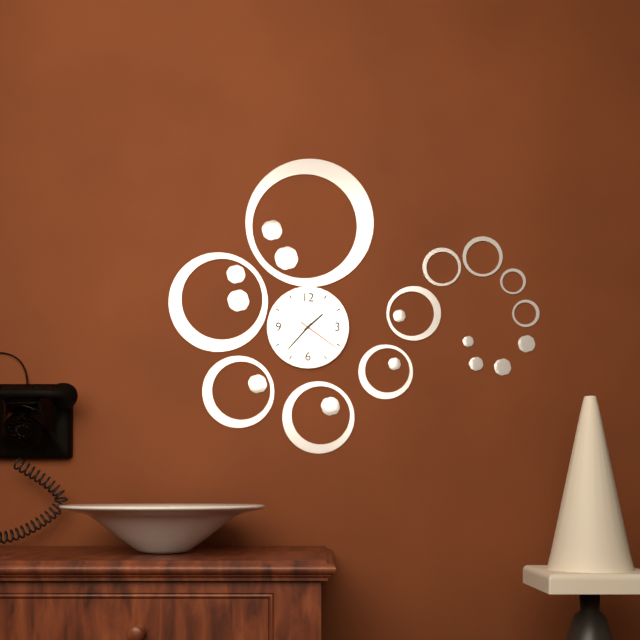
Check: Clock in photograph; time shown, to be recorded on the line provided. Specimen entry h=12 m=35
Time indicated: h=1 m=37
